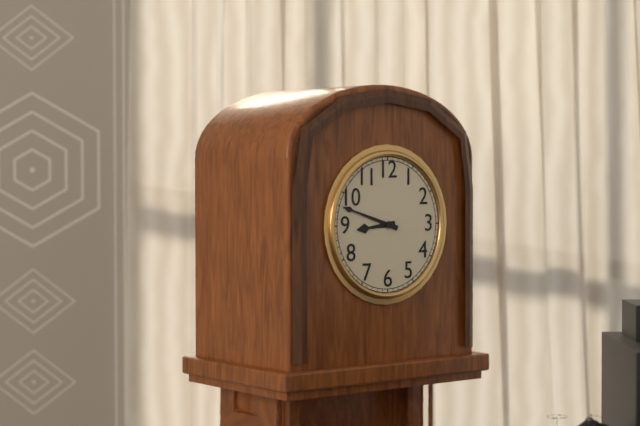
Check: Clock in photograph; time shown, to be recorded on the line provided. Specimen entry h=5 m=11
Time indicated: h=8 m=48
